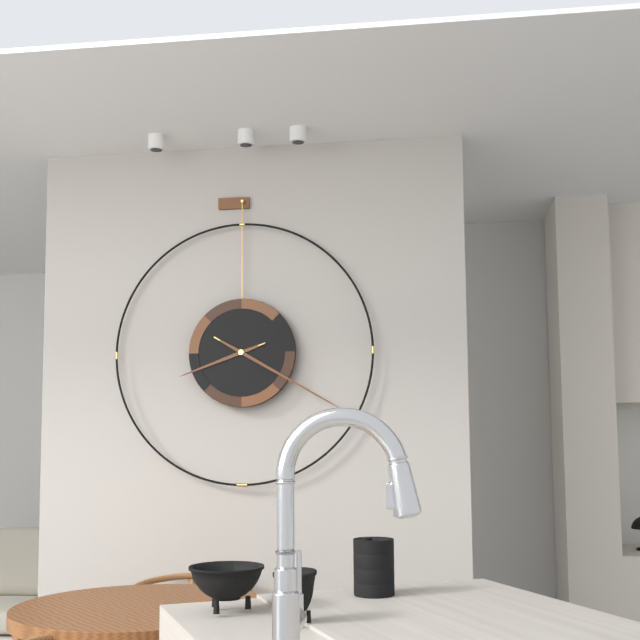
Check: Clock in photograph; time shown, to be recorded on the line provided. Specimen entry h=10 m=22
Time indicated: h=8 m=20
